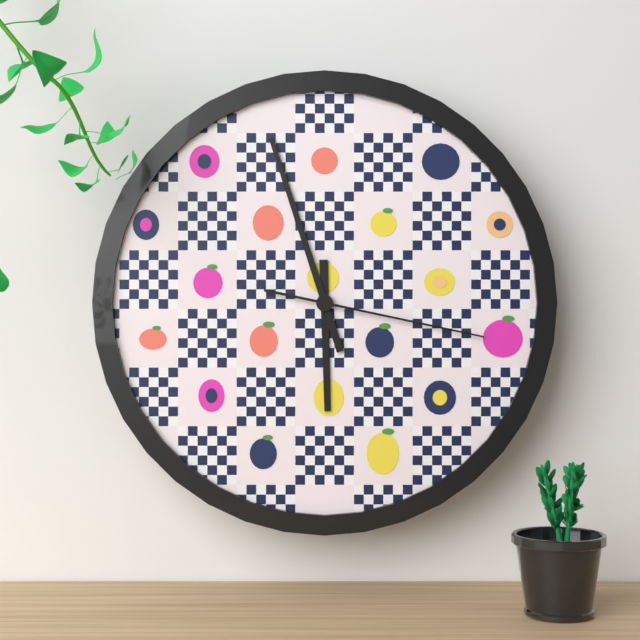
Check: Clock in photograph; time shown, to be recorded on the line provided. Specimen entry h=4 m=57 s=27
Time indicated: h=5 m=57 s=17
